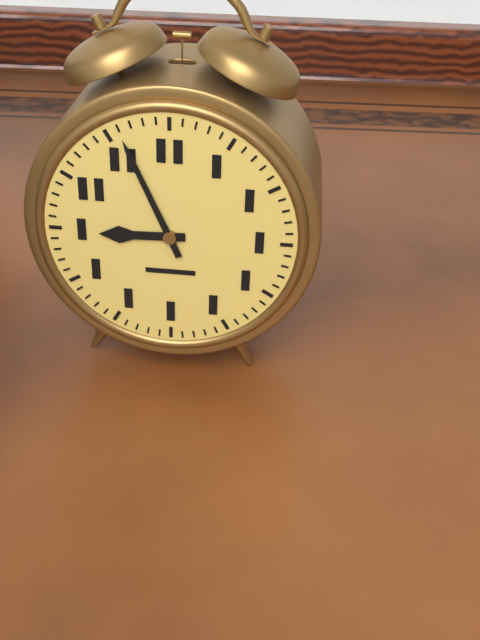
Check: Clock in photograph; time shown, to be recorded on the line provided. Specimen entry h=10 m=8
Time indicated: h=8 m=56
